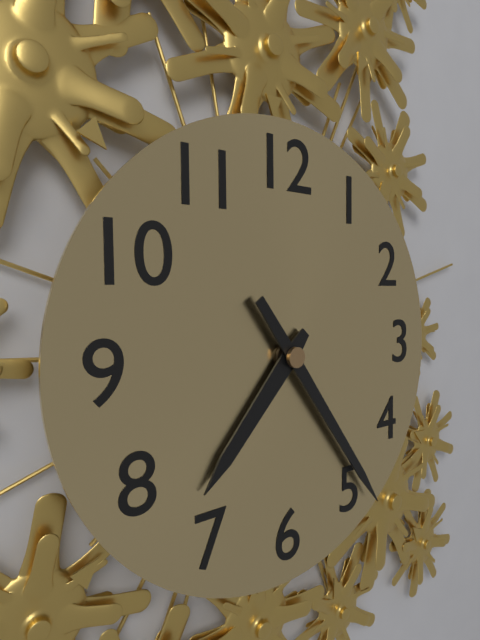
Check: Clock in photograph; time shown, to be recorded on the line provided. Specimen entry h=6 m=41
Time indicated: h=7 m=24
